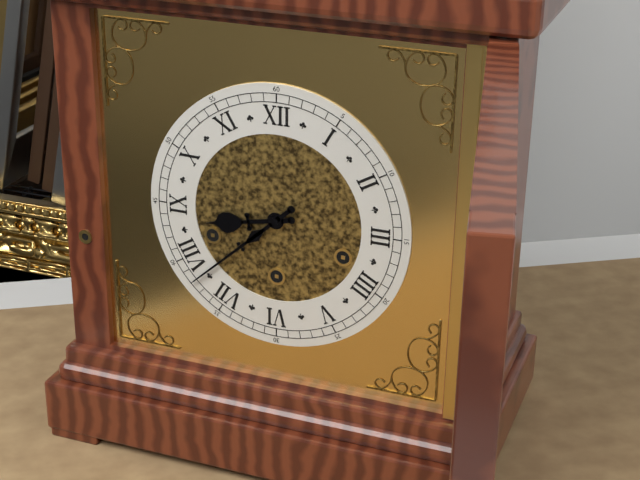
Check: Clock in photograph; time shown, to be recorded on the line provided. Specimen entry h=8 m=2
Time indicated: h=8 m=38
